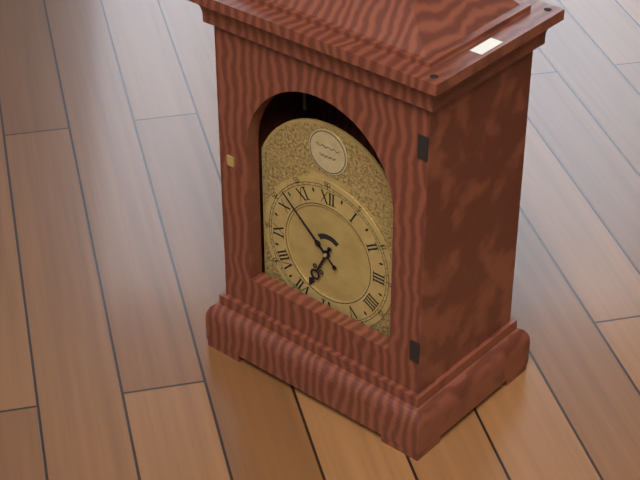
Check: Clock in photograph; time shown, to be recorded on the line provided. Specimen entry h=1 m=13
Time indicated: h=6 m=52
